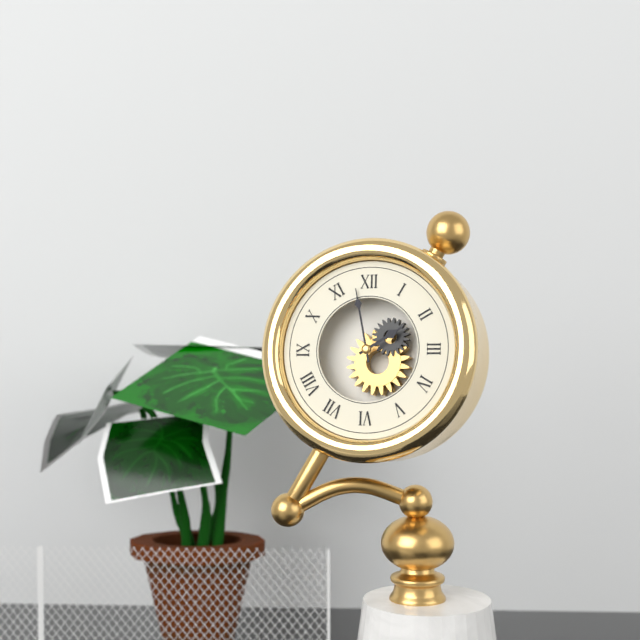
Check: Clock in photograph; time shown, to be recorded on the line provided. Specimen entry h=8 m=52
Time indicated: h=1 m=58
